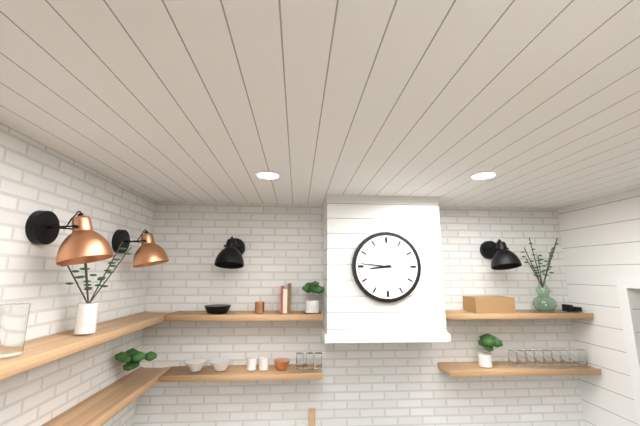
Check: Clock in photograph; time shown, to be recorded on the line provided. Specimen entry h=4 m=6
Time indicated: h=8 m=46
